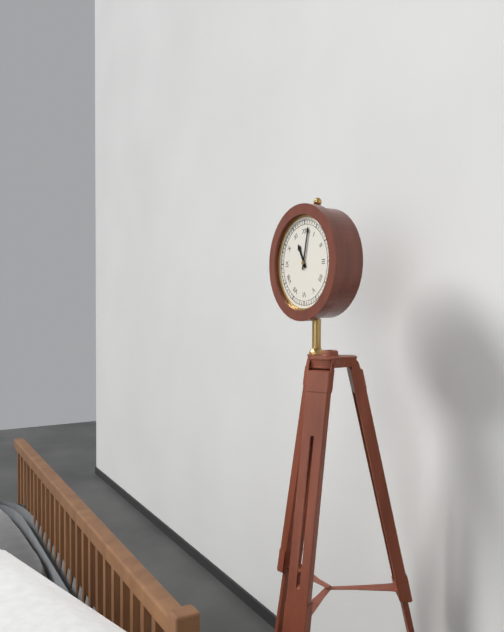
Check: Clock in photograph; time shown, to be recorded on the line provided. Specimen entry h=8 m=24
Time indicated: h=11 m=2
